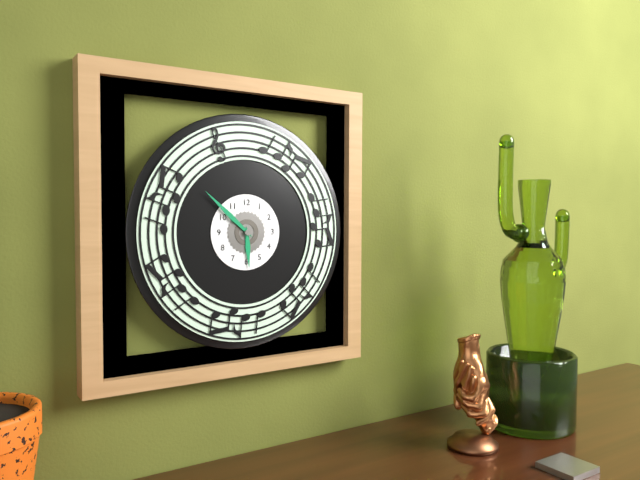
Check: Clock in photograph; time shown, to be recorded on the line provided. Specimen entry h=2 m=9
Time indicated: h=5 m=52
